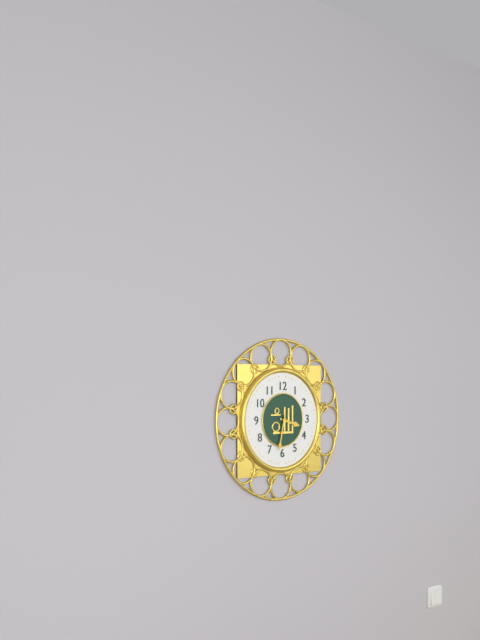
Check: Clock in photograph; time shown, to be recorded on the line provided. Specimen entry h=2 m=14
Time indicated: h=3 m=32
